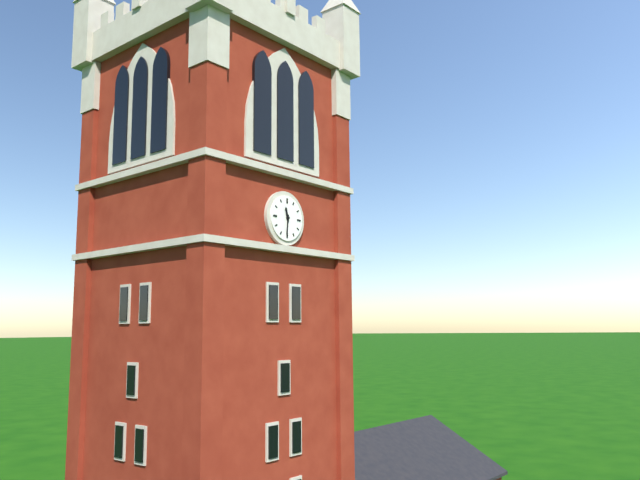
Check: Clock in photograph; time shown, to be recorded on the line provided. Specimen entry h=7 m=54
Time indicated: h=11 m=31
